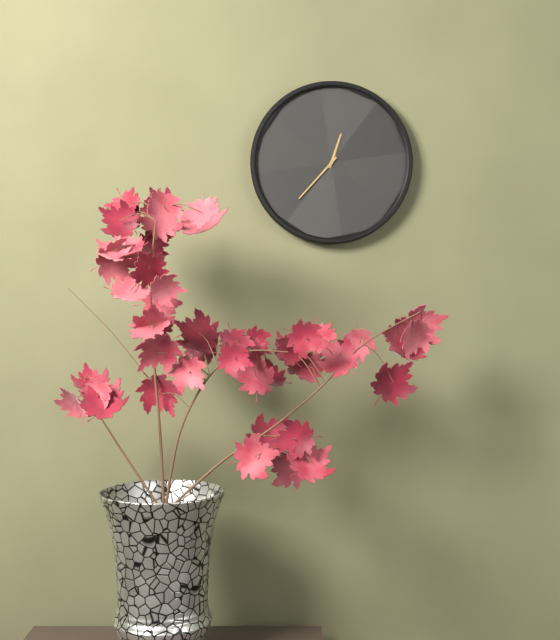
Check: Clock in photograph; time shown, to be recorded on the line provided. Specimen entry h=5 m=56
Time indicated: h=12 m=37
